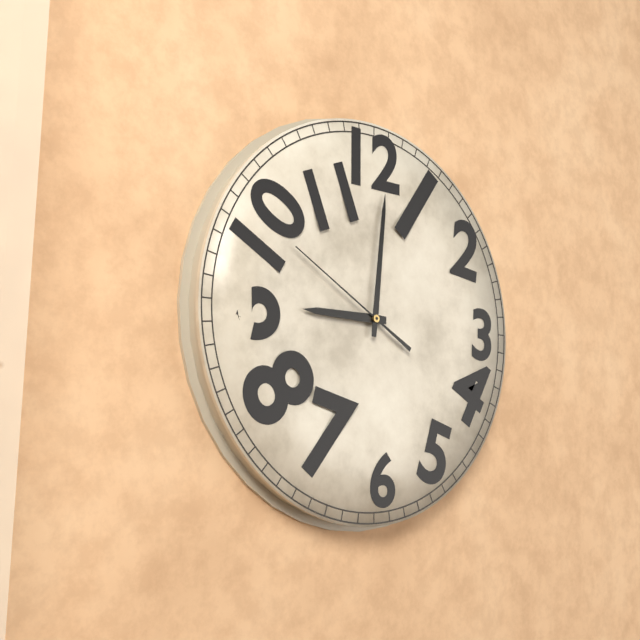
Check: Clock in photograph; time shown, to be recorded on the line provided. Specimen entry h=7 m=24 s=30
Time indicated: h=9 m=1 s=50
